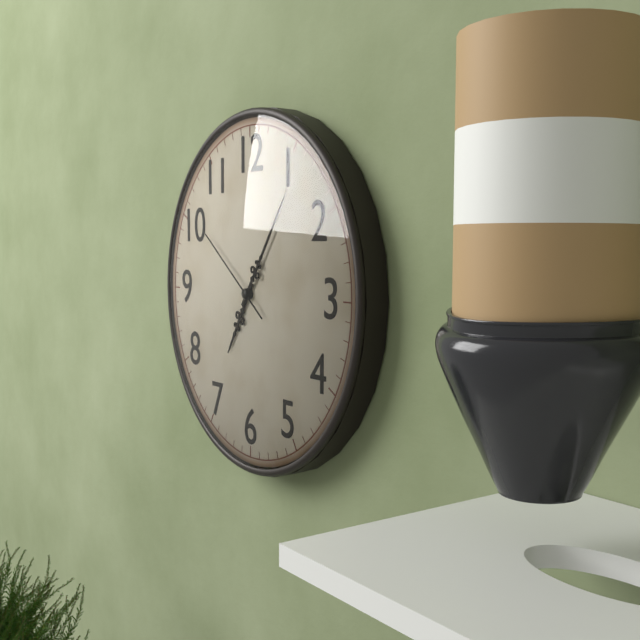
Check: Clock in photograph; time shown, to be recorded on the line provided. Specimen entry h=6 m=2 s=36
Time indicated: h=7 m=6 s=51
